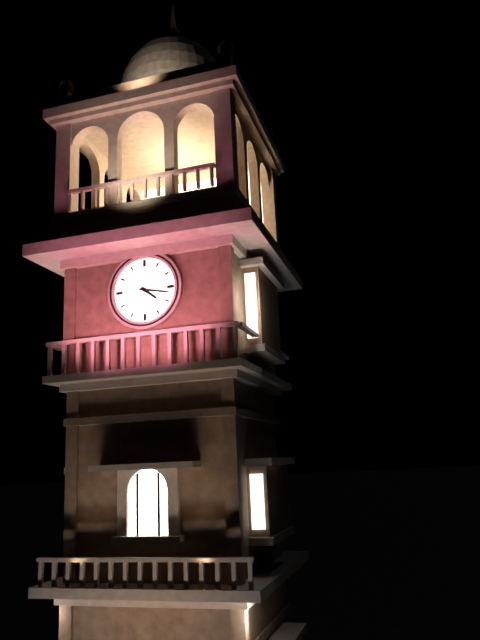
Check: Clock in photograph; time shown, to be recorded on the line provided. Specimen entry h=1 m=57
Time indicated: h=4 m=17
